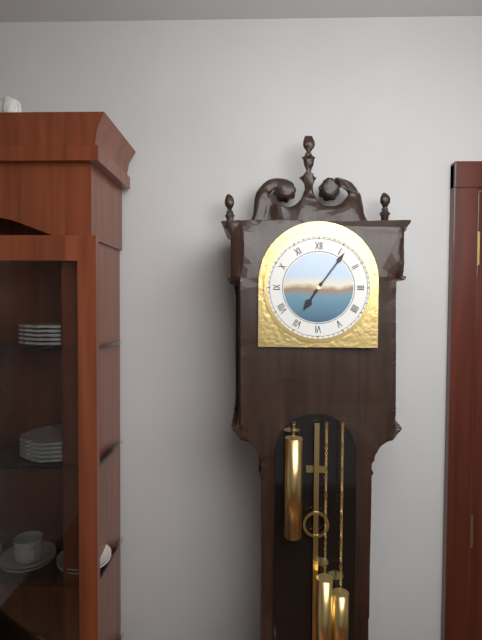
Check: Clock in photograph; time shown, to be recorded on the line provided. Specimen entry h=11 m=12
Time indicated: h=7 m=6
